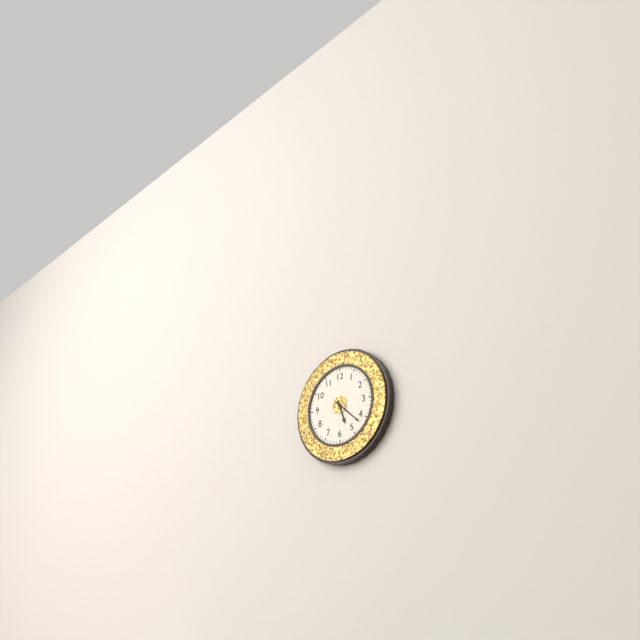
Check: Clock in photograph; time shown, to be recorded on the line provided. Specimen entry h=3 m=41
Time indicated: h=5 m=22
